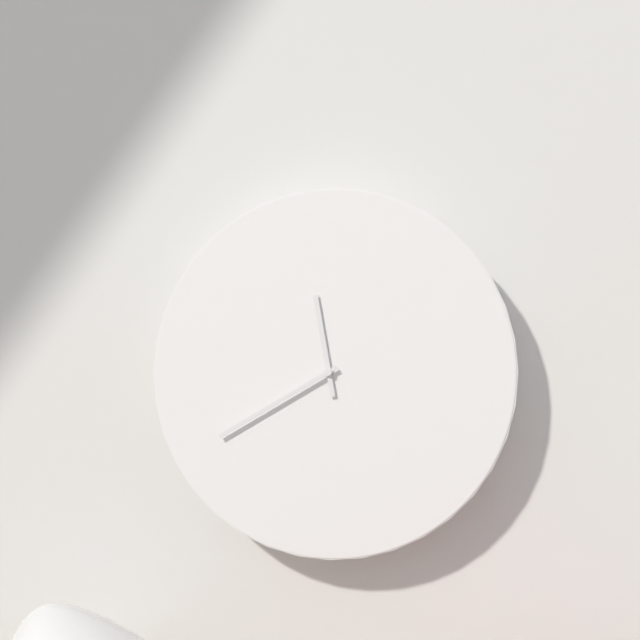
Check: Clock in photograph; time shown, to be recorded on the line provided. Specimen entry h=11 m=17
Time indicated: h=11 m=40
